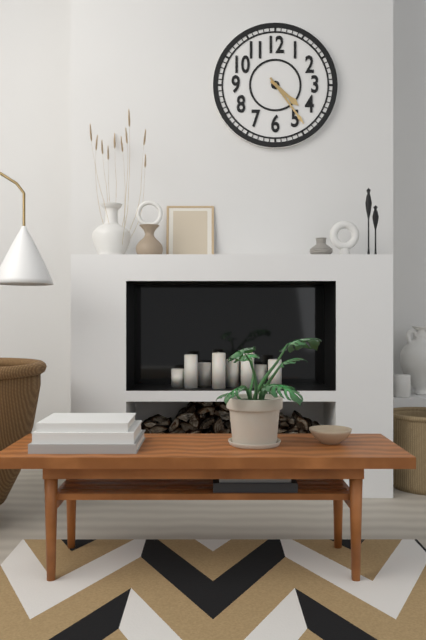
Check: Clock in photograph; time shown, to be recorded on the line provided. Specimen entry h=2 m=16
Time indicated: h=4 m=24
